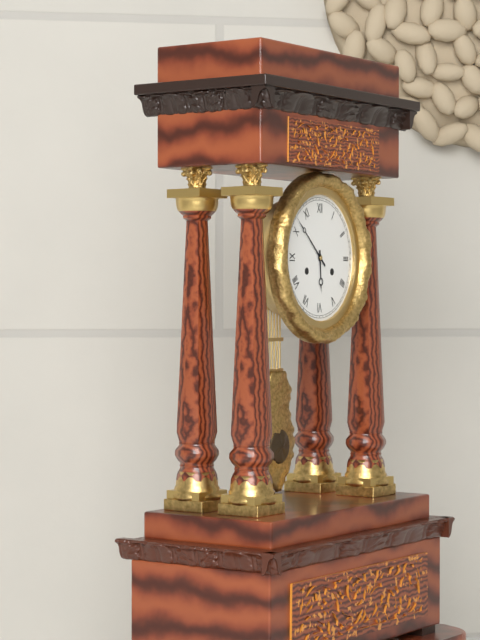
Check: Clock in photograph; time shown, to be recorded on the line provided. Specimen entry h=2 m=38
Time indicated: h=5 m=52
